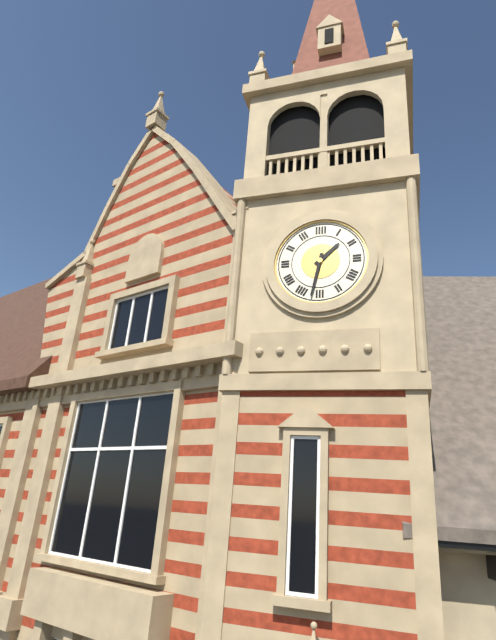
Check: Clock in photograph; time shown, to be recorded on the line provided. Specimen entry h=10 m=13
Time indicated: h=1 m=32
